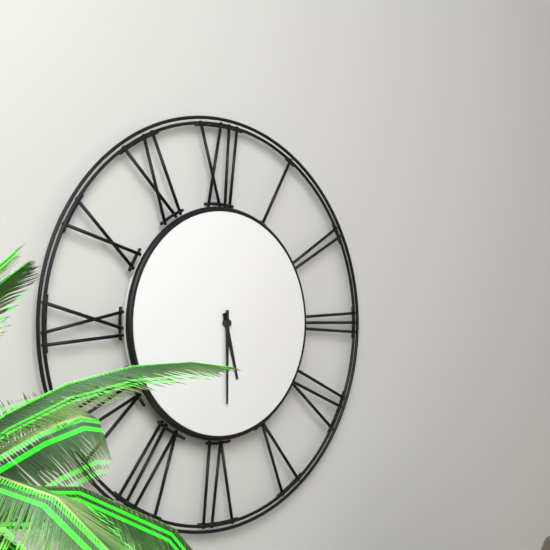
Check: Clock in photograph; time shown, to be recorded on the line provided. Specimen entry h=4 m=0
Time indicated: h=5 m=30
